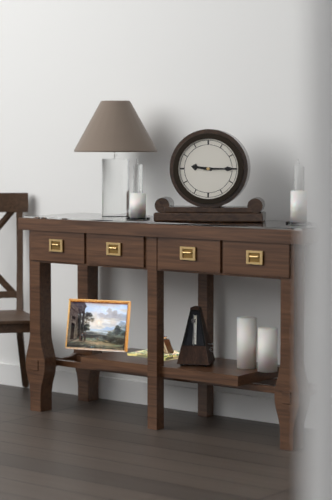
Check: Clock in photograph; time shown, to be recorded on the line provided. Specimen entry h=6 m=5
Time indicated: h=9 m=15
